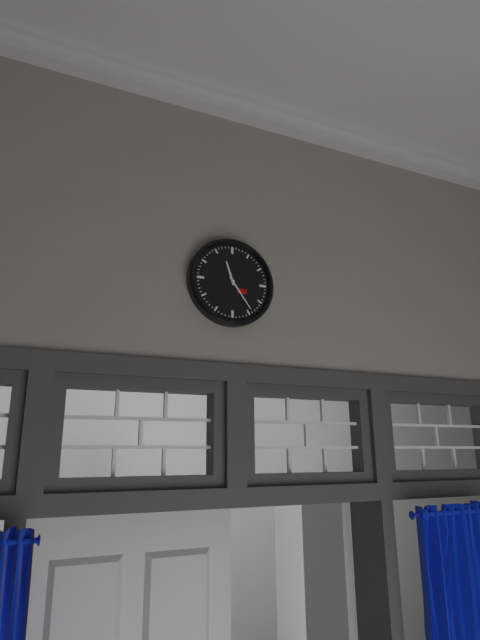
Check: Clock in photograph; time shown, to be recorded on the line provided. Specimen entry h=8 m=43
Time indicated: h=11 m=24
